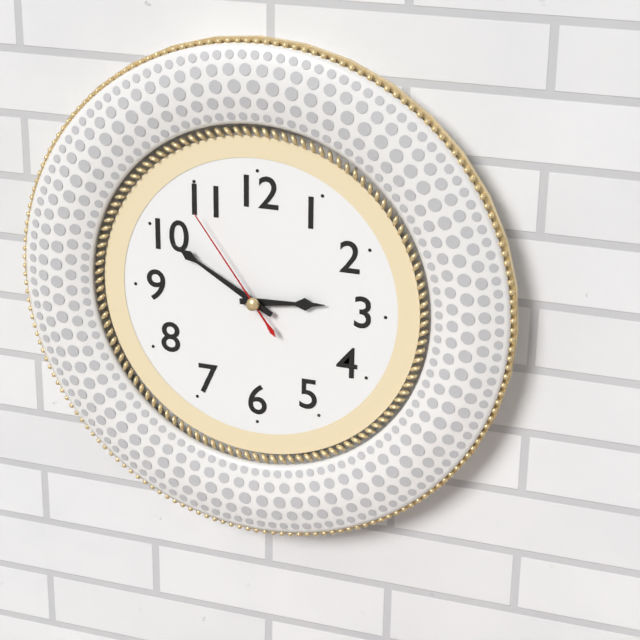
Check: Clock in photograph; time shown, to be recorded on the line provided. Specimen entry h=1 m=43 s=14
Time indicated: h=2 m=50 s=54
